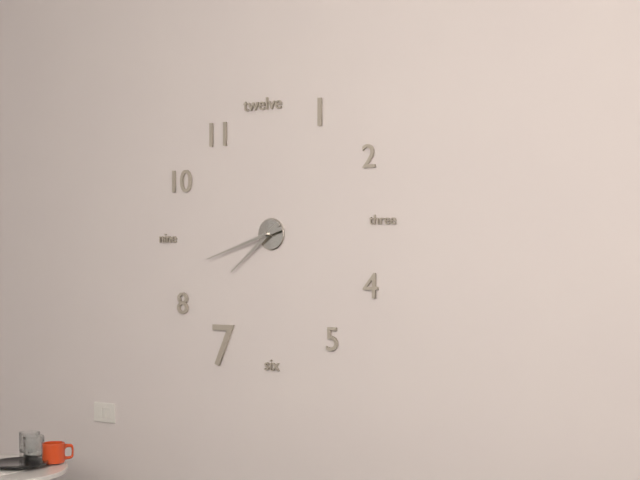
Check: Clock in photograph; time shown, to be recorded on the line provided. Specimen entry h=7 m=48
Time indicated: h=7 m=42
